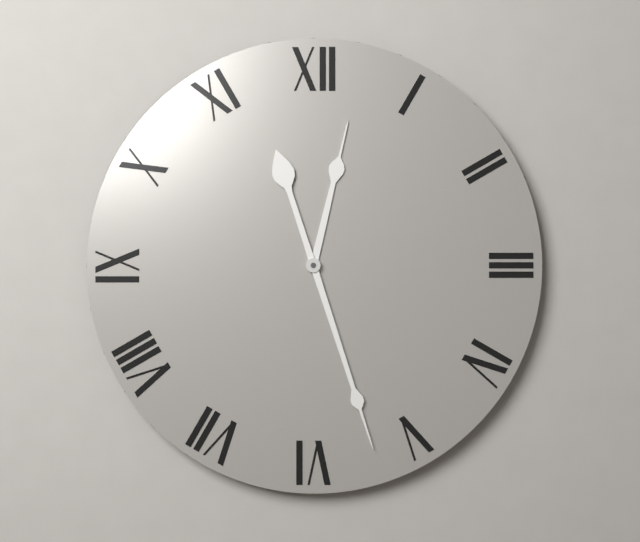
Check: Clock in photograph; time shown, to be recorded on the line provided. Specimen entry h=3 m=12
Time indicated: h=12 m=27
